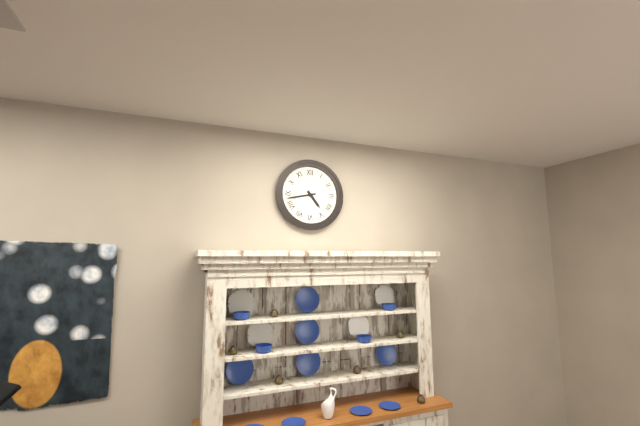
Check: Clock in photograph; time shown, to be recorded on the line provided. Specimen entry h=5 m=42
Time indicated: h=4 m=43
